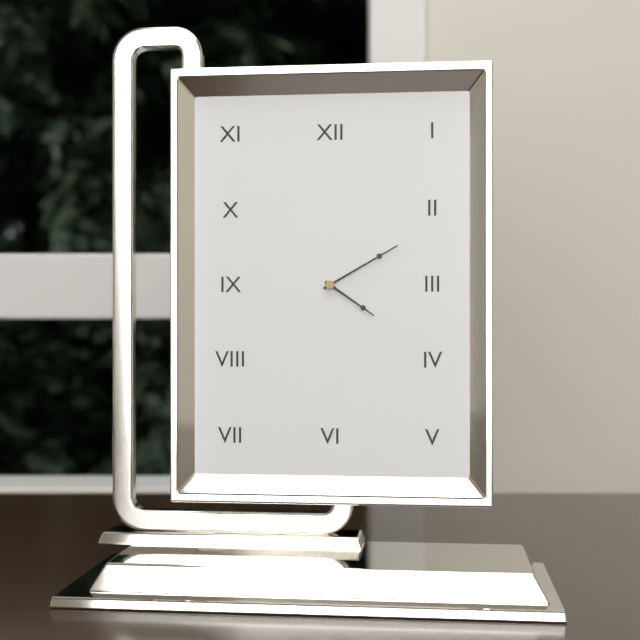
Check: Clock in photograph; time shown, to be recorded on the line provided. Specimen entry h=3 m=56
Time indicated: h=4 m=10
